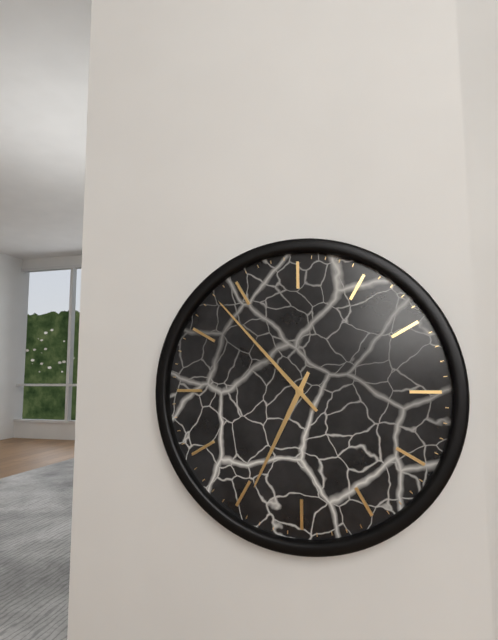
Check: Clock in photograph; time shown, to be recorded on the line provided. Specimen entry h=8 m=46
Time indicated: h=6 m=53
